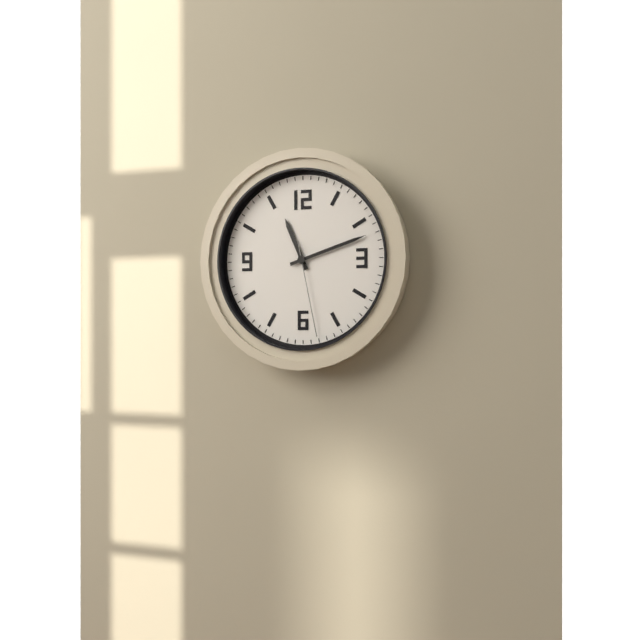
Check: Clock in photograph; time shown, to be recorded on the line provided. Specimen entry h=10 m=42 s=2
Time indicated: h=11 m=12 s=28
